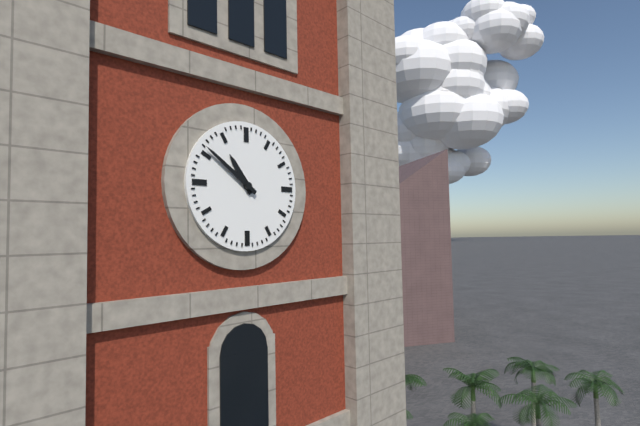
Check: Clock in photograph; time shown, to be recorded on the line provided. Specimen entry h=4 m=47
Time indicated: h=10 m=51
